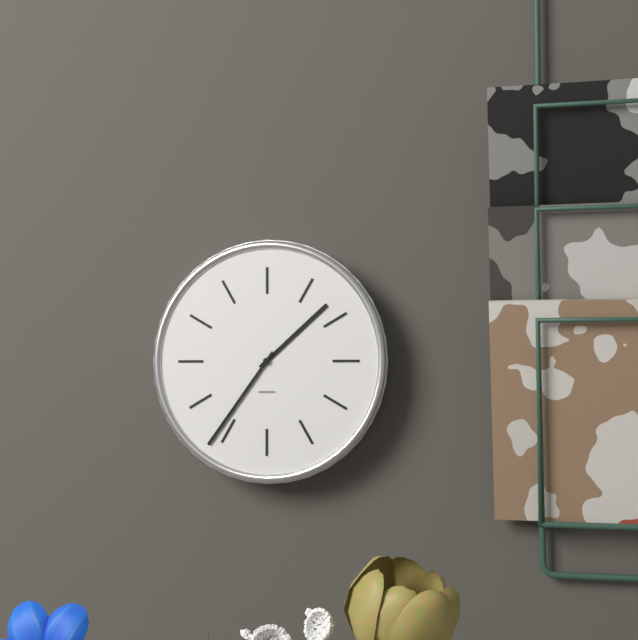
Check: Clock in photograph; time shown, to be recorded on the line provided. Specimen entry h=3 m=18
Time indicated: h=1 m=36
